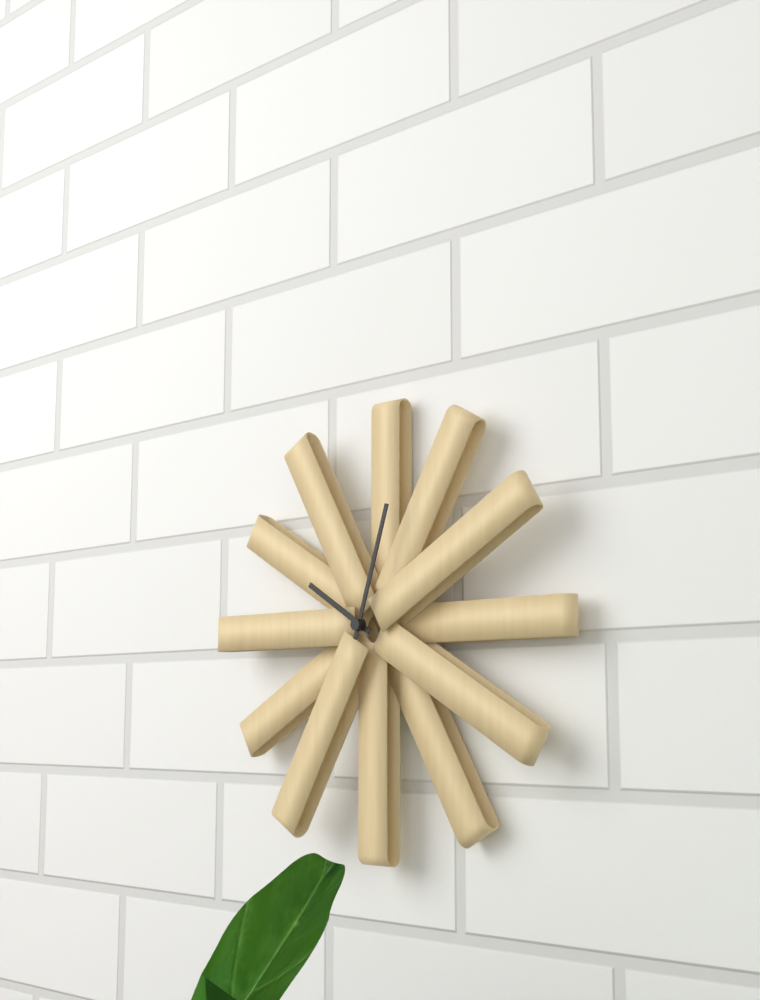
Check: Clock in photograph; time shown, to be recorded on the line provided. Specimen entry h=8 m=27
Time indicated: h=10 m=3
